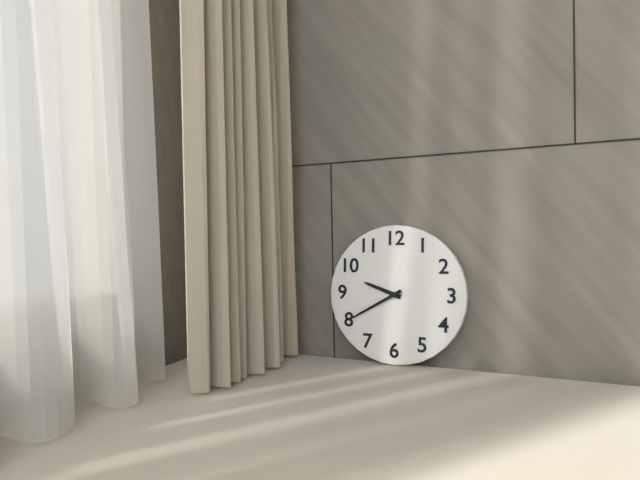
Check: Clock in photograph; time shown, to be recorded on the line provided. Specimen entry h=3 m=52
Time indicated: h=9 m=40
